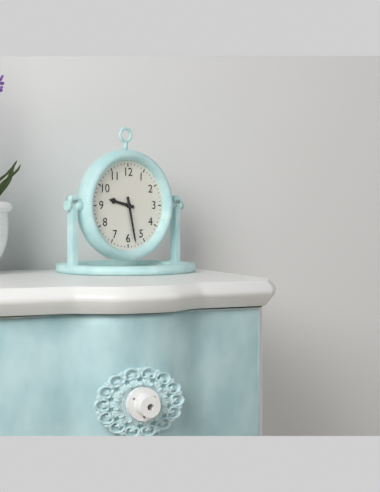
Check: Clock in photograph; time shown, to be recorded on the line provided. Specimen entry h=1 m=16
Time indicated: h=9 m=28
